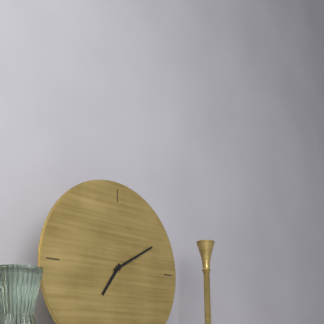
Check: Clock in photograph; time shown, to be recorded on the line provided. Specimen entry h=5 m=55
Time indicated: h=7 m=10
